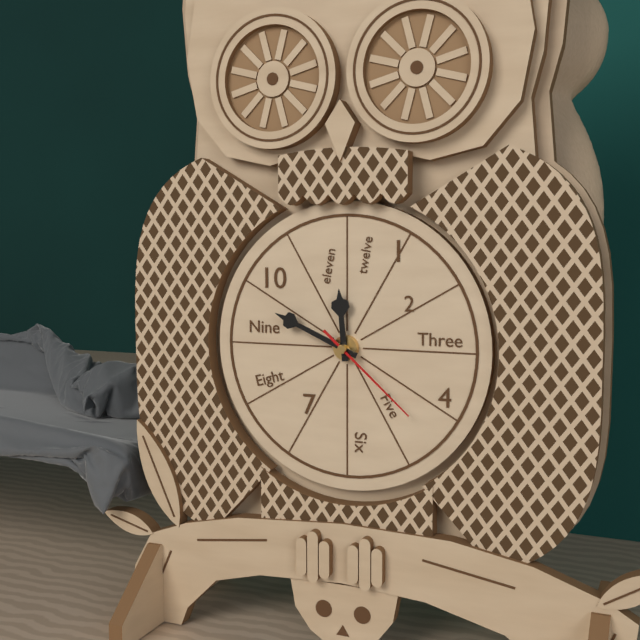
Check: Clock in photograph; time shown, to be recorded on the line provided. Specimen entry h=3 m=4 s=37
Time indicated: h=11 m=49 s=22
